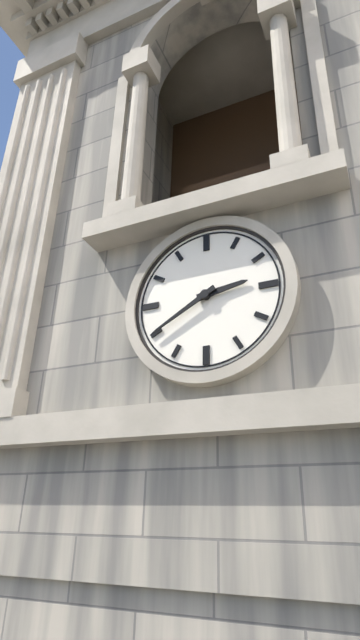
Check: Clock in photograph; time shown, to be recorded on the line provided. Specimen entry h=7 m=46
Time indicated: h=2 m=40
